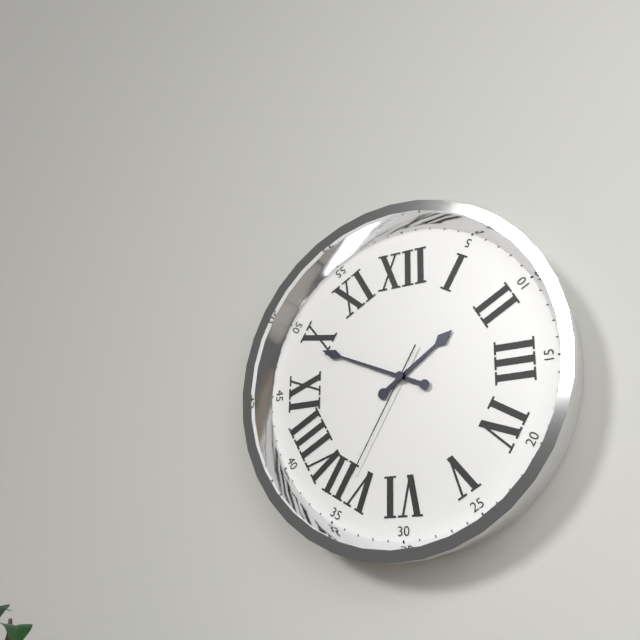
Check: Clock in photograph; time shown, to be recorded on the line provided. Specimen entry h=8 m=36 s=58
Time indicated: h=1 m=49 s=35
